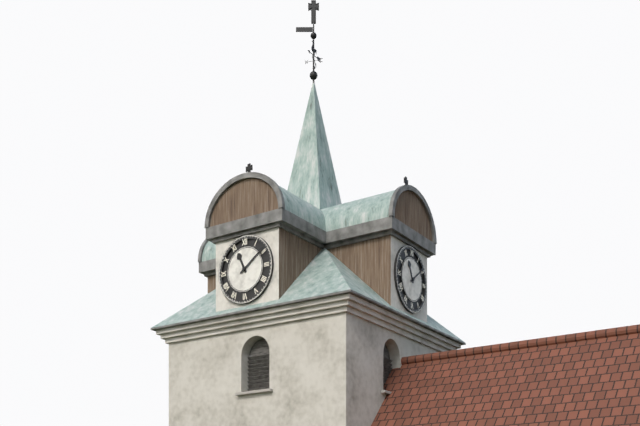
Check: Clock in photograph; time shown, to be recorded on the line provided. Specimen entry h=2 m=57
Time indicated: h=11 m=9
